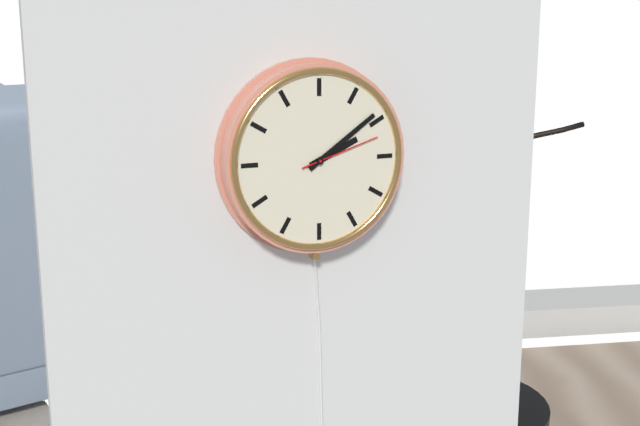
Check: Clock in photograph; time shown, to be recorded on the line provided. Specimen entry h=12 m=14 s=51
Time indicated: h=2 m=9 s=12
